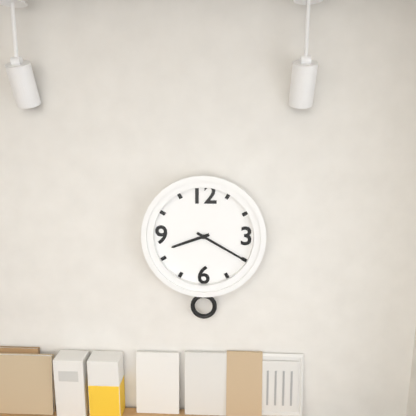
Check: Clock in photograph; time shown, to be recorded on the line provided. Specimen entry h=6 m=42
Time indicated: h=8 m=20
